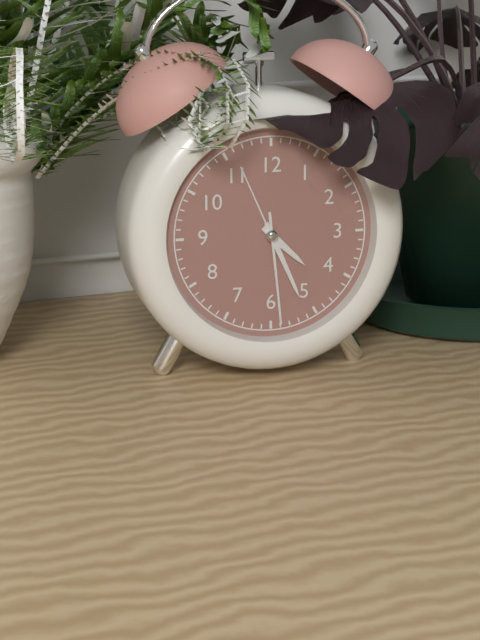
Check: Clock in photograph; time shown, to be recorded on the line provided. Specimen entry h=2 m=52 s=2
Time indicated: h=4 m=26 s=29
